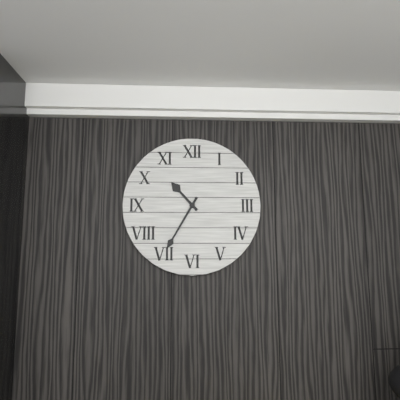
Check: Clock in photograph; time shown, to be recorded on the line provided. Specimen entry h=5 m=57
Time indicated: h=10 m=35
